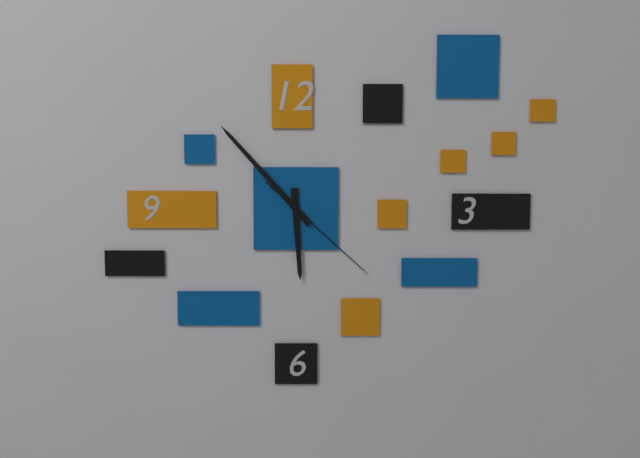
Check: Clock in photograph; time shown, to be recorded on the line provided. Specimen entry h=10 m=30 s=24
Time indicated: h=5 m=53 s=22
